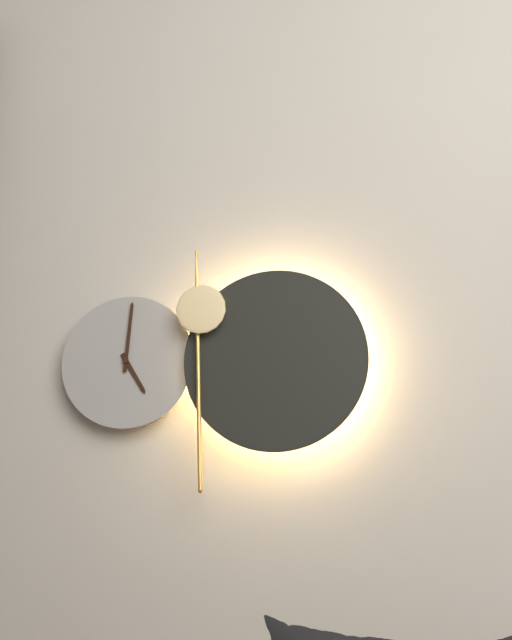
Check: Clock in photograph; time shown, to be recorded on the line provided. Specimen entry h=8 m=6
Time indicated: h=5 m=1
